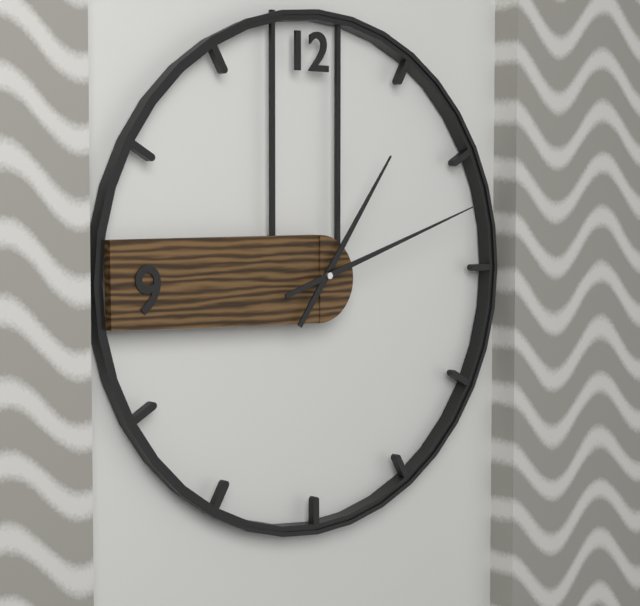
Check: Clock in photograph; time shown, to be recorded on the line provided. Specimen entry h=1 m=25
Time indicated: h=1 m=12
